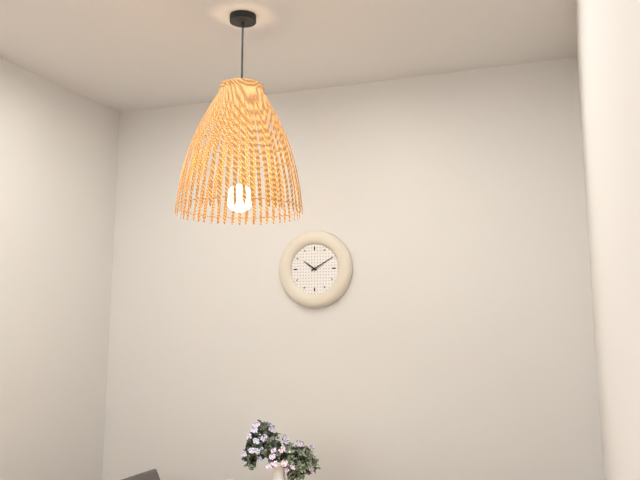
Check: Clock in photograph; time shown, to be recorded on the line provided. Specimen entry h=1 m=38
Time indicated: h=10 m=10
